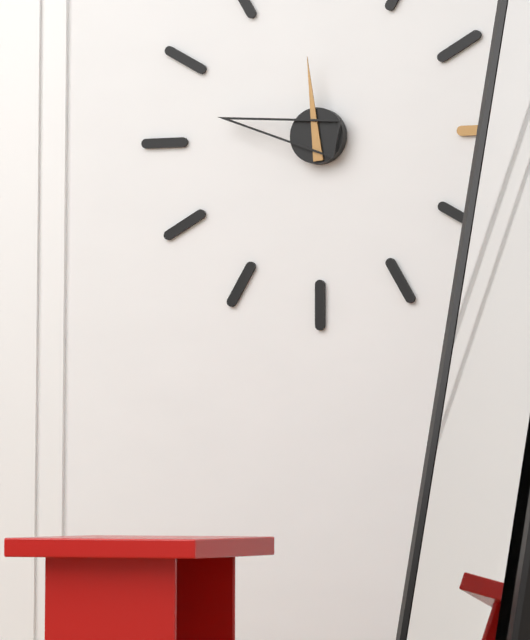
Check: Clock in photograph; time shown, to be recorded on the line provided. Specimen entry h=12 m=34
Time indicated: h=11 m=47
